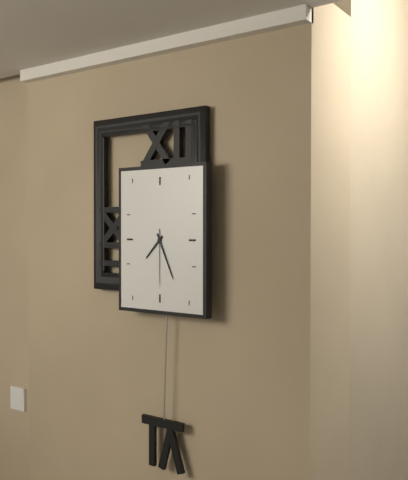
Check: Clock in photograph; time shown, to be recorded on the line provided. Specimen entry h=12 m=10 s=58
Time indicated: h=7 m=26 s=30
